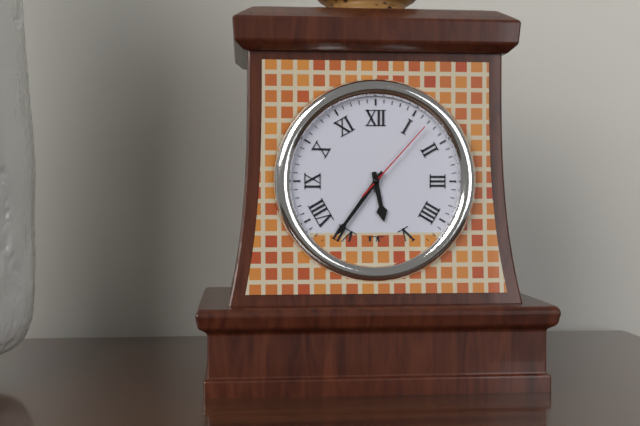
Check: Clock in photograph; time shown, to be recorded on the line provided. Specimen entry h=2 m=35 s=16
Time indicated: h=5 m=36 s=7
